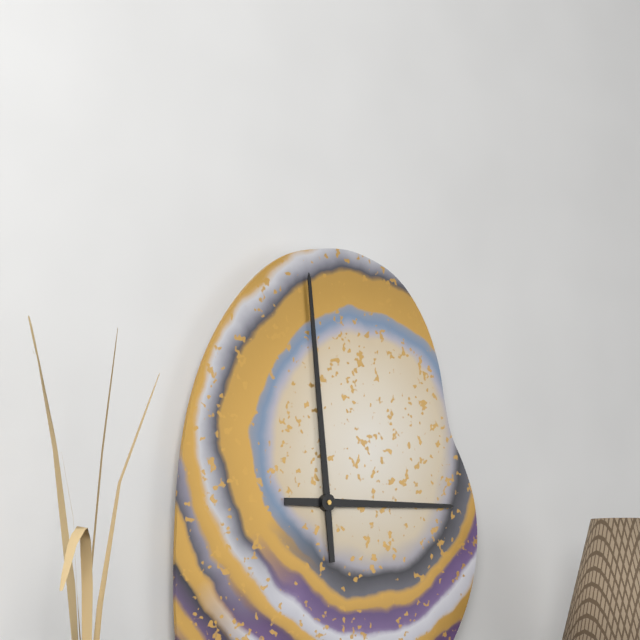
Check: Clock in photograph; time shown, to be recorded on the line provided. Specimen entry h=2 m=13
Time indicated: h=2 m=59
